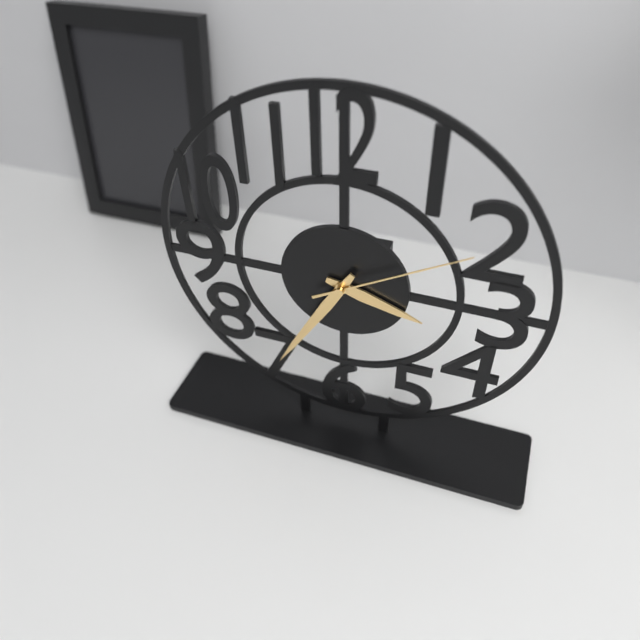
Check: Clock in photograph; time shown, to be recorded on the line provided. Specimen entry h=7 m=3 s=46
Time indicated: h=3 m=35 s=10
